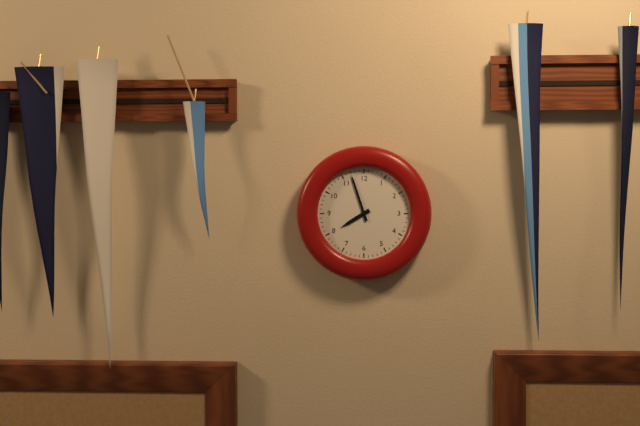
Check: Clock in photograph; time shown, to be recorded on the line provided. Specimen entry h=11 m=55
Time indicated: h=7 m=57
